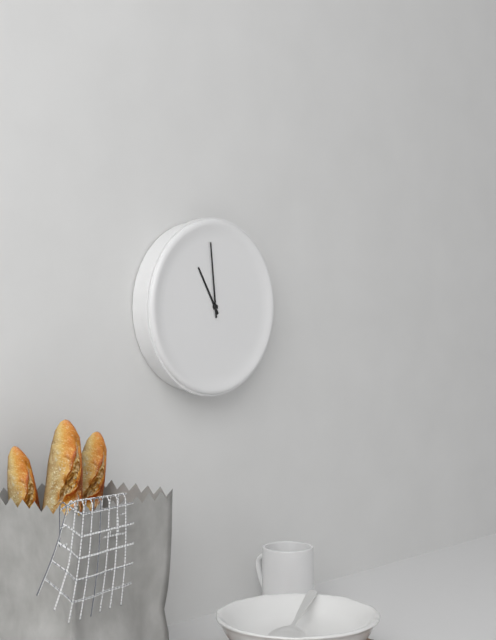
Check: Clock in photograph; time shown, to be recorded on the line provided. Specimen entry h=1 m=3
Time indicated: h=10 m=59
